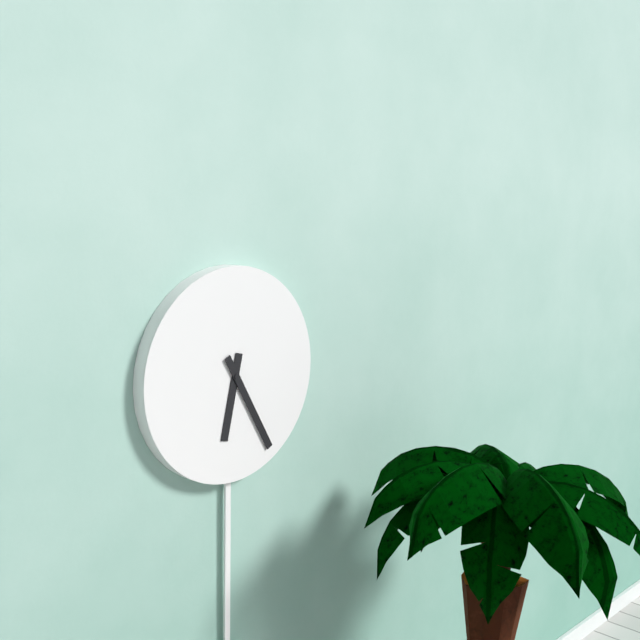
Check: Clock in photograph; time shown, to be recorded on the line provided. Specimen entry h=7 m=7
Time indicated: h=6 m=25
